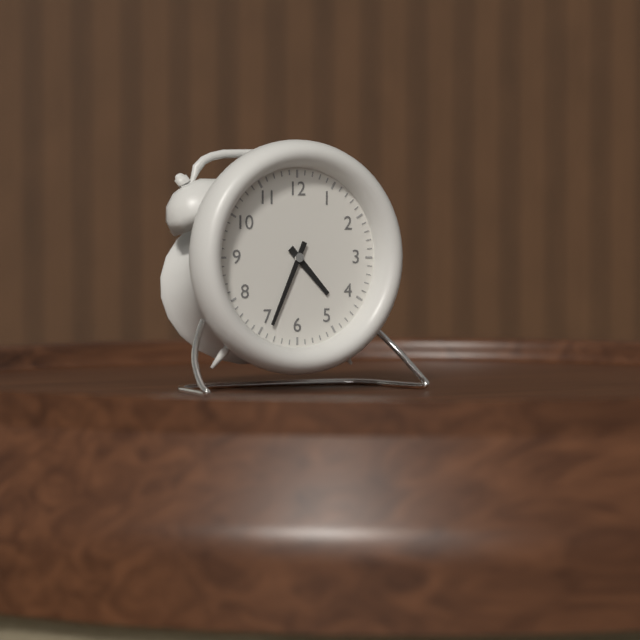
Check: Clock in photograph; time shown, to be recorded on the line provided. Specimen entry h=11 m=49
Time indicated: h=4 m=34
